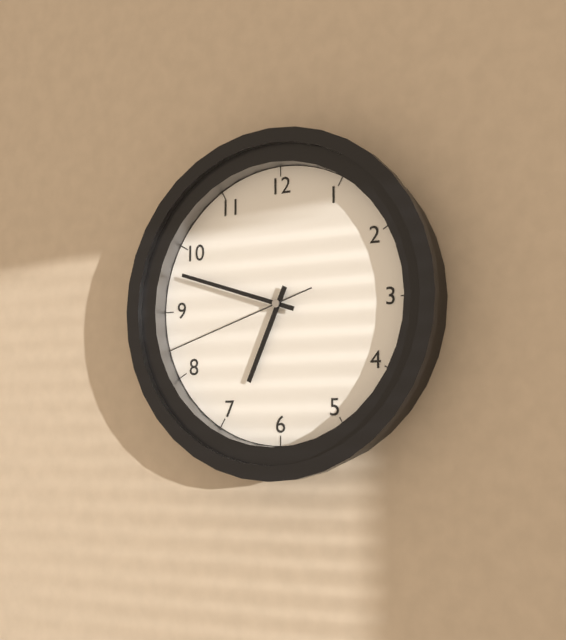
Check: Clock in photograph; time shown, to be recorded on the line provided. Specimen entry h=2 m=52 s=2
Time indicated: h=6 m=48 s=42
